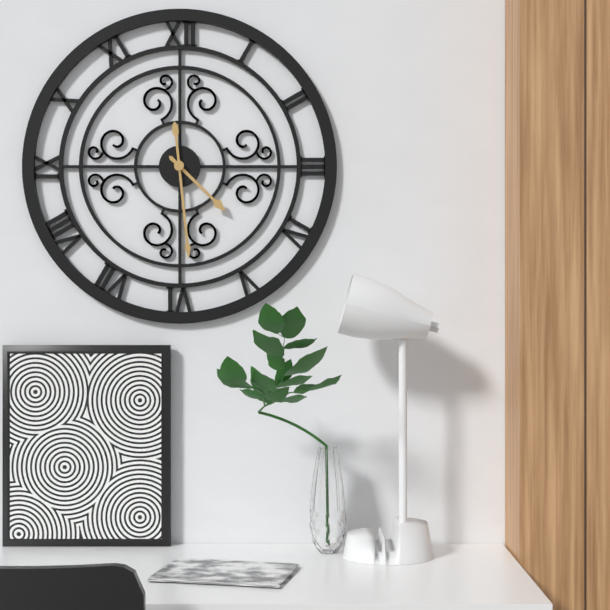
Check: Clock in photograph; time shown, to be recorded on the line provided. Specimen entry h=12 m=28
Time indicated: h=4 m=29
